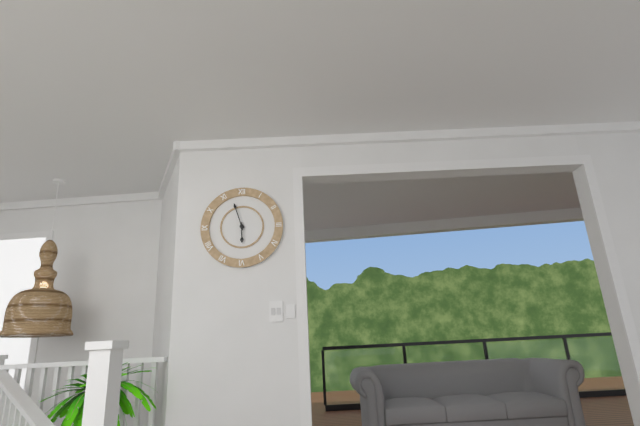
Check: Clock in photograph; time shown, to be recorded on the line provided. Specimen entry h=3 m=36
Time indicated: h=5 m=57
